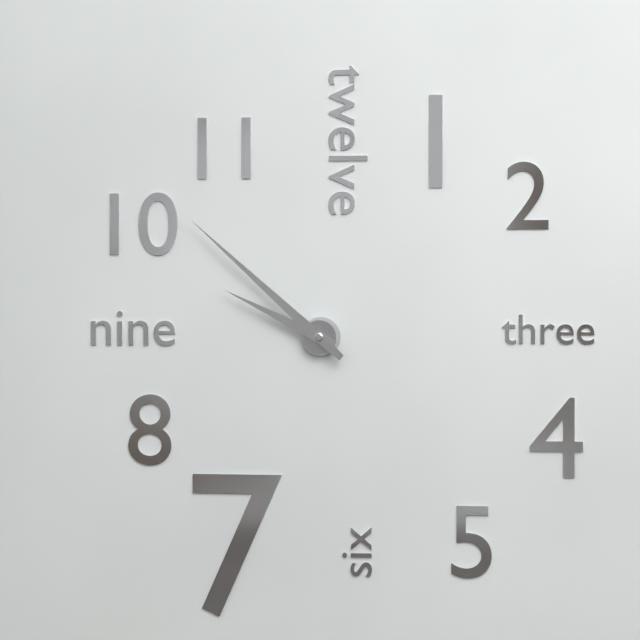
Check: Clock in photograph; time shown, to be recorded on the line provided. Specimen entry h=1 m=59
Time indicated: h=9 m=52
